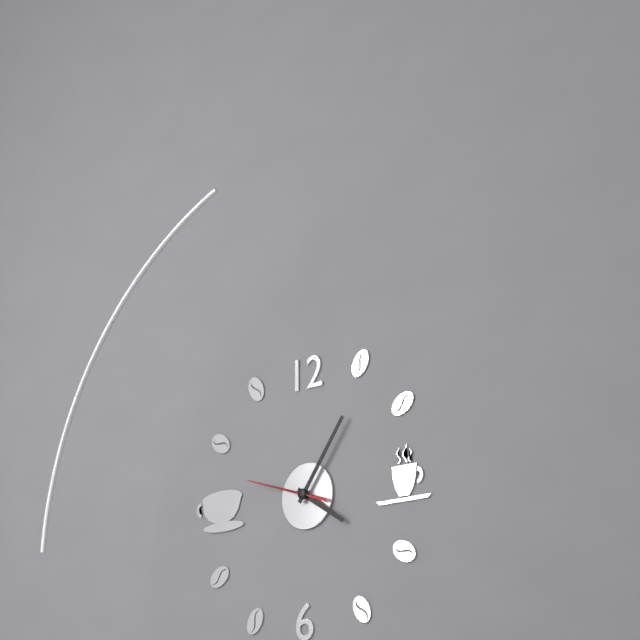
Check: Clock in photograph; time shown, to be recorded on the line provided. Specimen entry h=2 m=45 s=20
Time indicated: h=4 m=6 s=48
